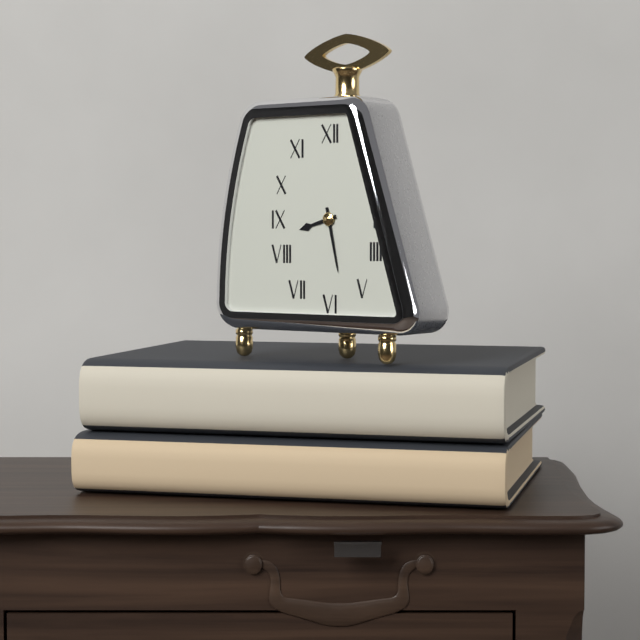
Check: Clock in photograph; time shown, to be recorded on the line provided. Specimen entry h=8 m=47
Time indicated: h=8 m=28
